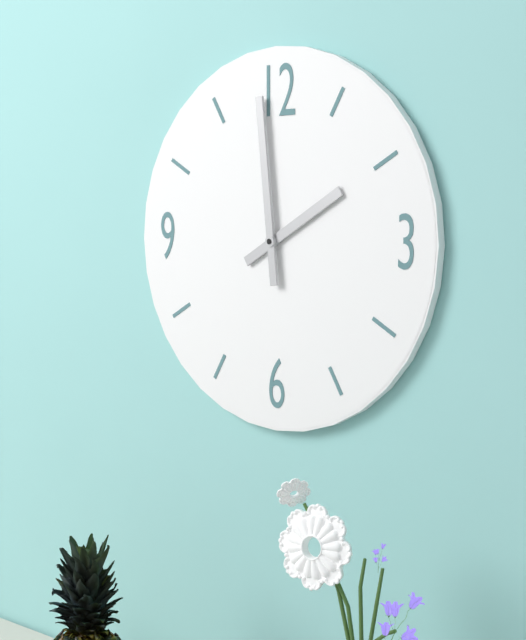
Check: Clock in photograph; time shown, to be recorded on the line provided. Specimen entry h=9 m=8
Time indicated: h=1 m=59
